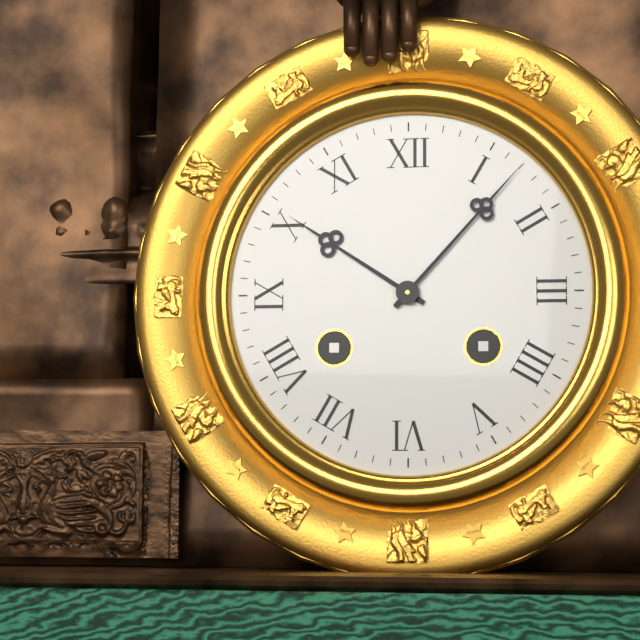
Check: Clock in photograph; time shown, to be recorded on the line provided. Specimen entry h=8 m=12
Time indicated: h=10 m=7
